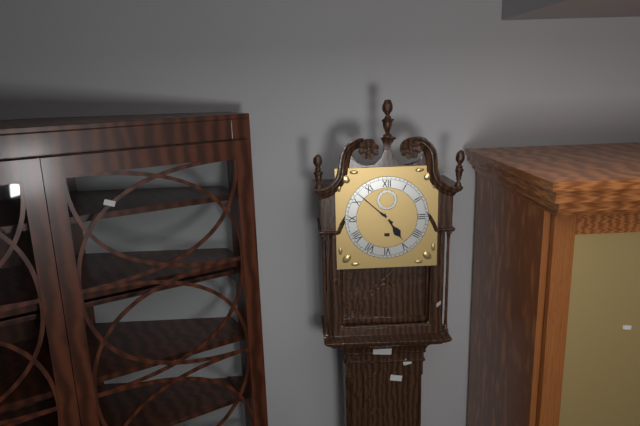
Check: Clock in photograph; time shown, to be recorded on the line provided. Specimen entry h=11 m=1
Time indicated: h=4 m=52
